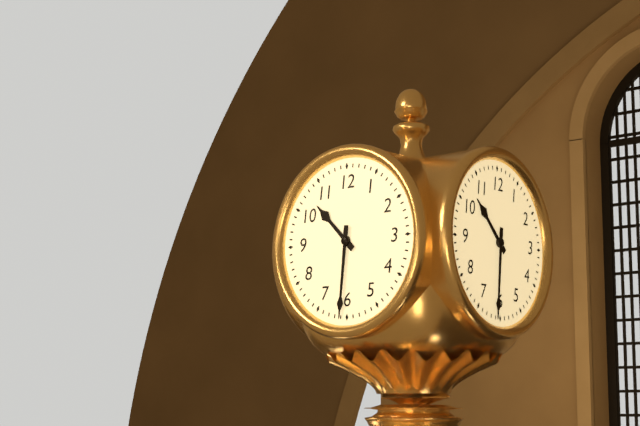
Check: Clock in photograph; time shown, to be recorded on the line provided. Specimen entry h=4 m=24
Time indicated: h=10 m=31
